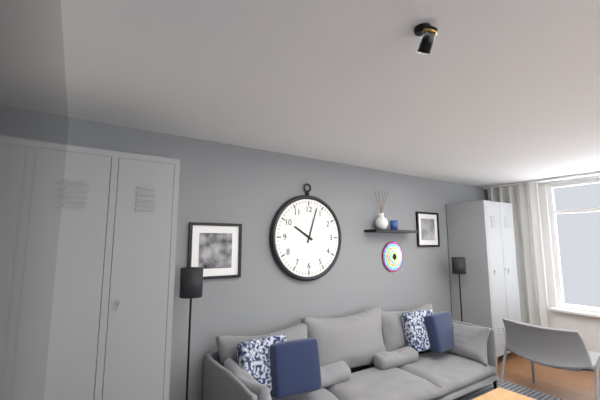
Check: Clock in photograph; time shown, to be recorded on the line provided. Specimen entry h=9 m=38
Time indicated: h=10 m=3
